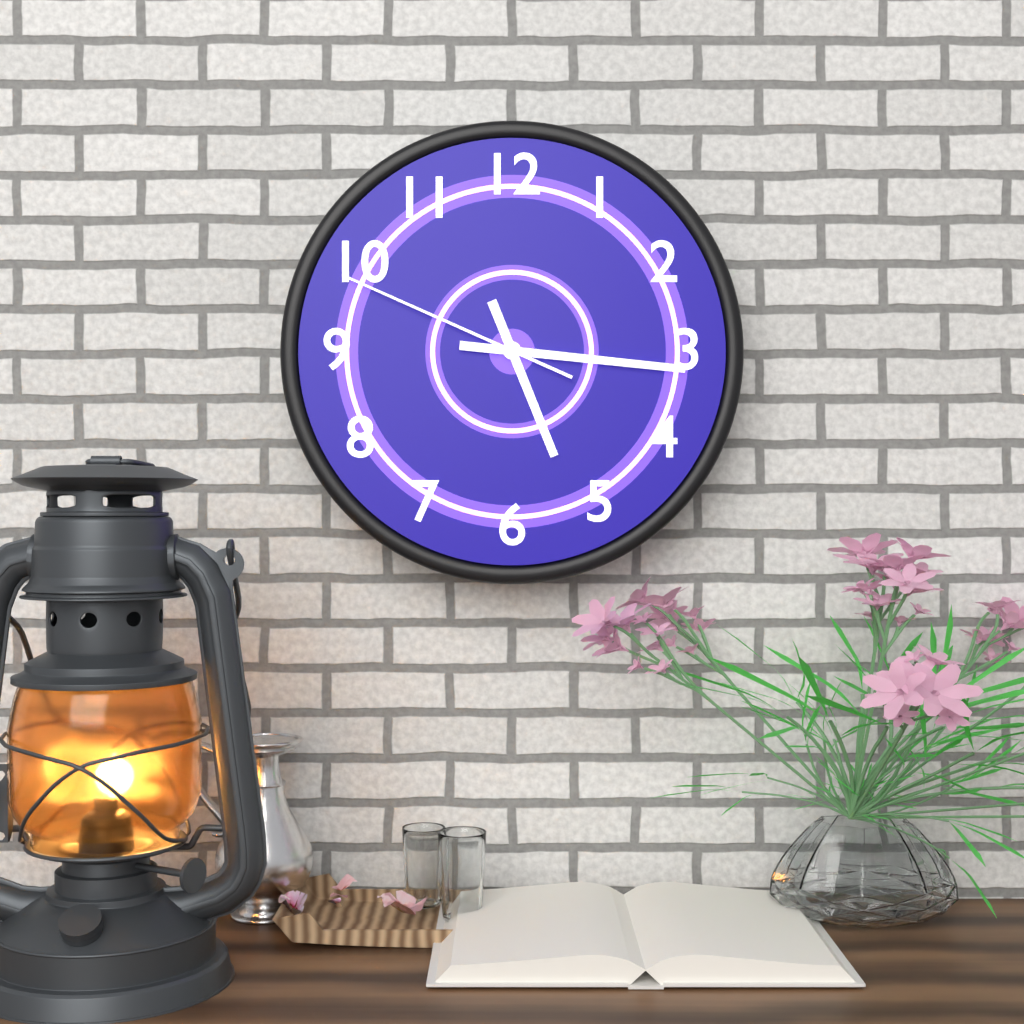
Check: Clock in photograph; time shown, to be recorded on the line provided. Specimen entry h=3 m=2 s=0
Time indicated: h=5 m=16 s=49
